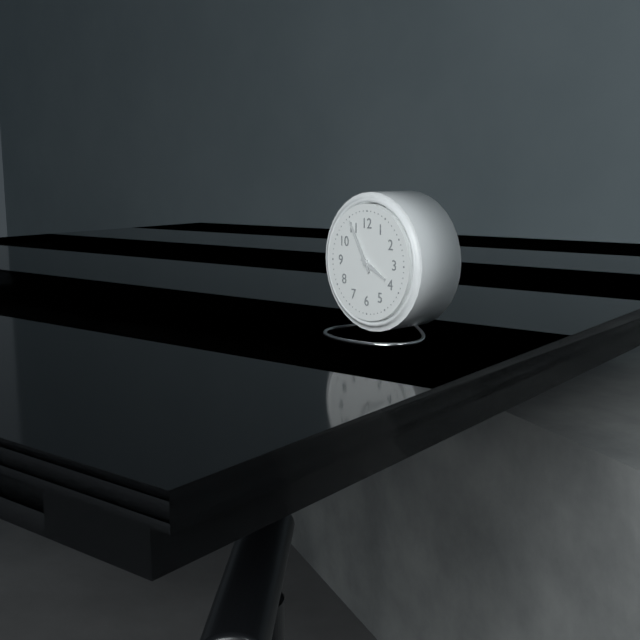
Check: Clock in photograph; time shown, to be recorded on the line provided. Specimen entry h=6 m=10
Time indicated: h=3 m=55
